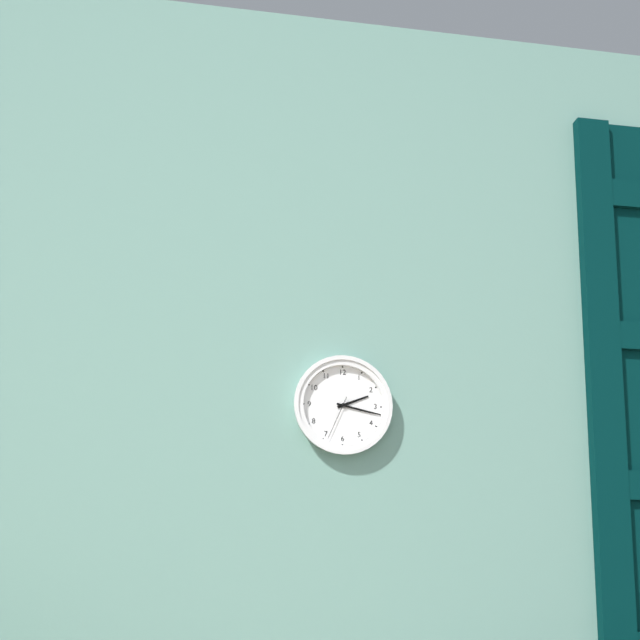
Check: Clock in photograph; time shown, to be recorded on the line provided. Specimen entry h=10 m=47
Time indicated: h=2 m=17
